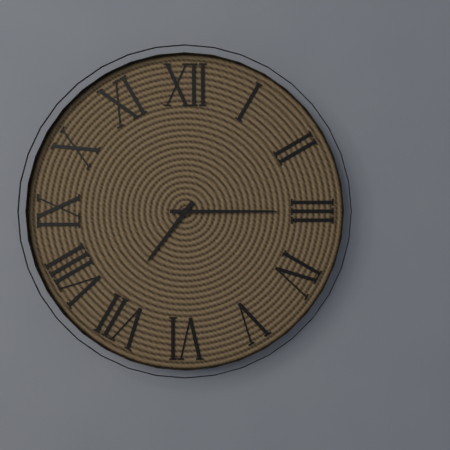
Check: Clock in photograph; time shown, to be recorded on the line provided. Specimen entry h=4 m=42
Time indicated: h=7 m=15
